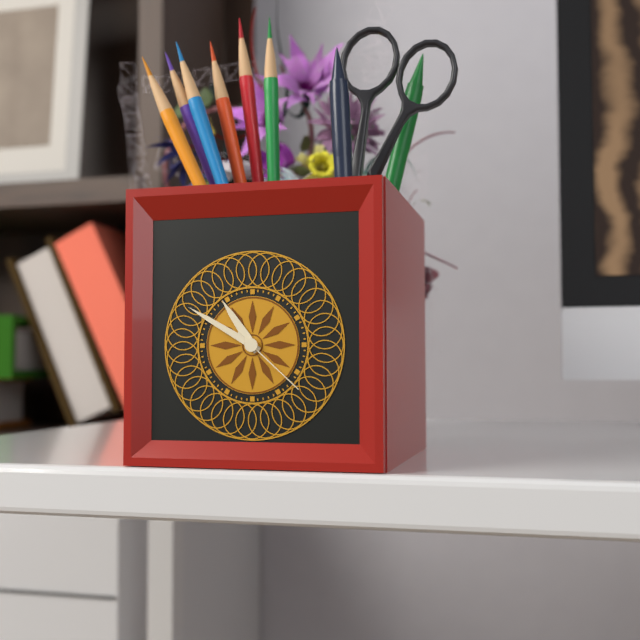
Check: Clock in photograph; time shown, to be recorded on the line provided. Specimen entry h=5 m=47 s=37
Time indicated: h=10 m=50 s=22
